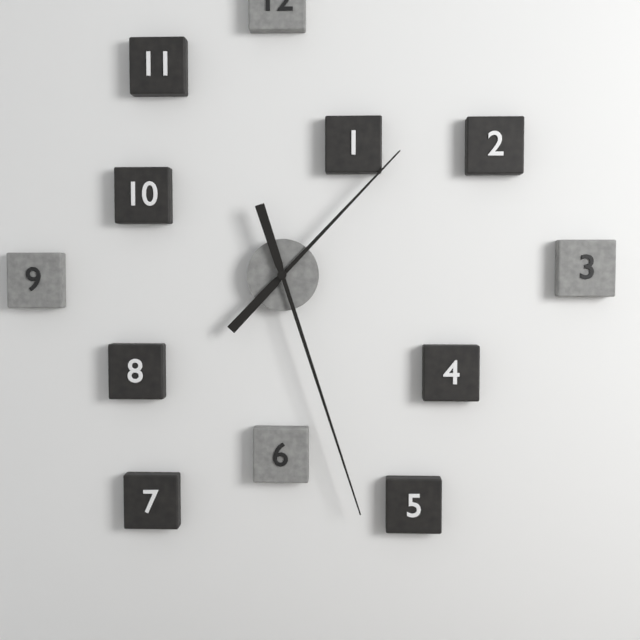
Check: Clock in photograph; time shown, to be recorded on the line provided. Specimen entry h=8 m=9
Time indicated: h=1 m=27
